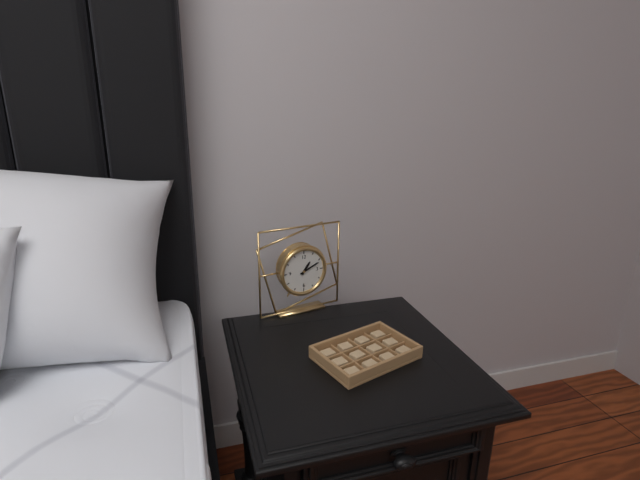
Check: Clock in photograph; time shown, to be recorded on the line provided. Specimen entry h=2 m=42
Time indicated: h=1 m=11
